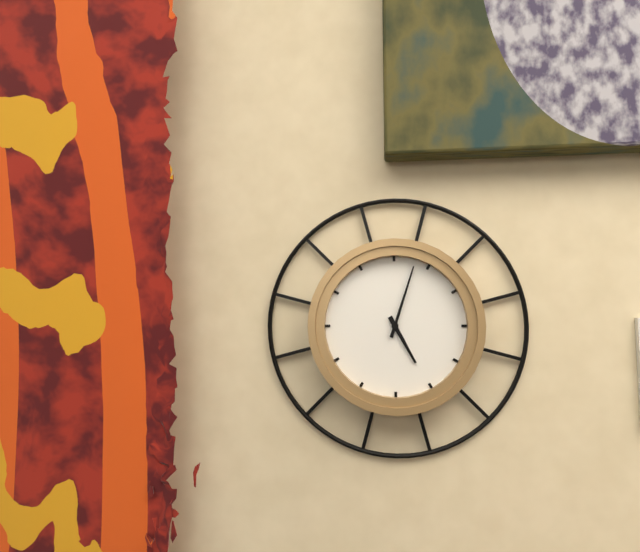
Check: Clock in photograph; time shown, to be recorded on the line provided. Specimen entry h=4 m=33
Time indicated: h=5 m=3
